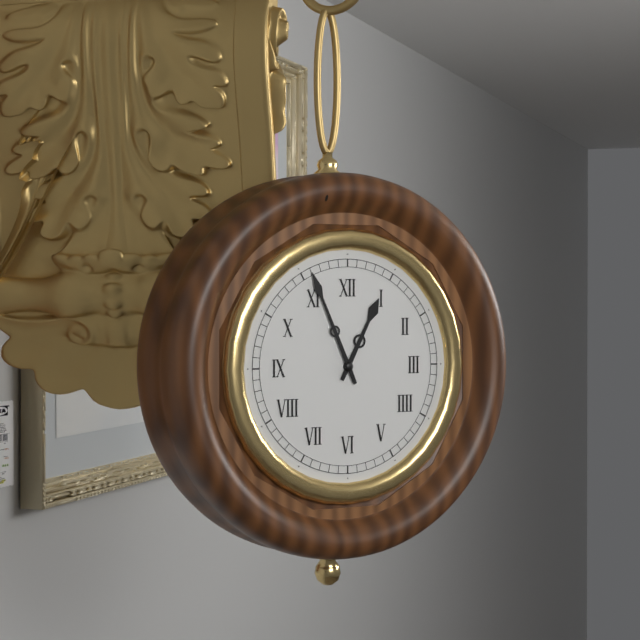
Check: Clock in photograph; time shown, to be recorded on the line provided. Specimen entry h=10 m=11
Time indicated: h=12 m=56
